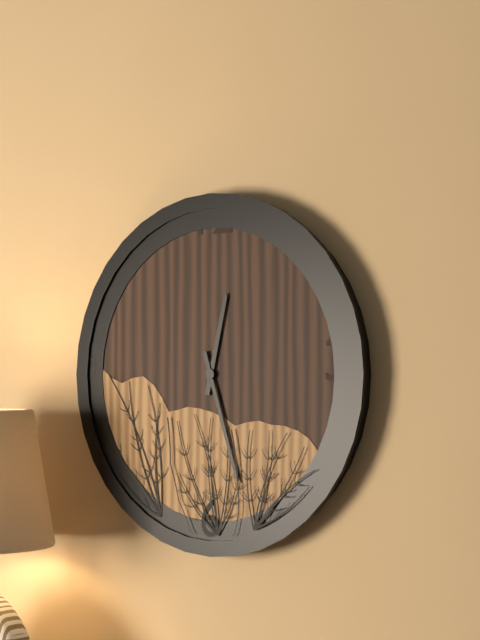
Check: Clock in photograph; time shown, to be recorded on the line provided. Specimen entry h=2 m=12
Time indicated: h=12 m=27
